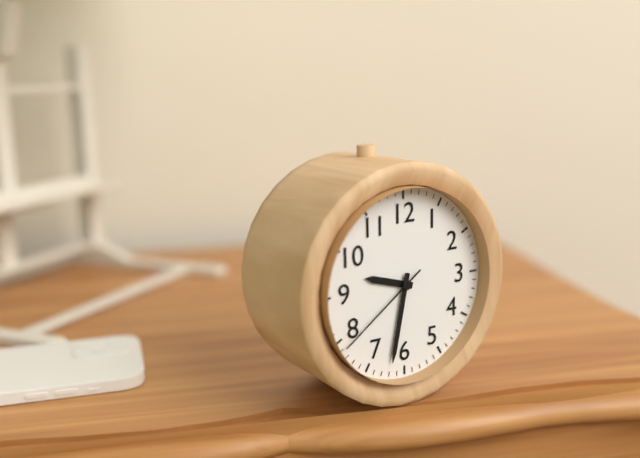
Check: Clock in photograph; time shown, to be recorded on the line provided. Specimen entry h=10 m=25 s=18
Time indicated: h=9 m=32 s=39
